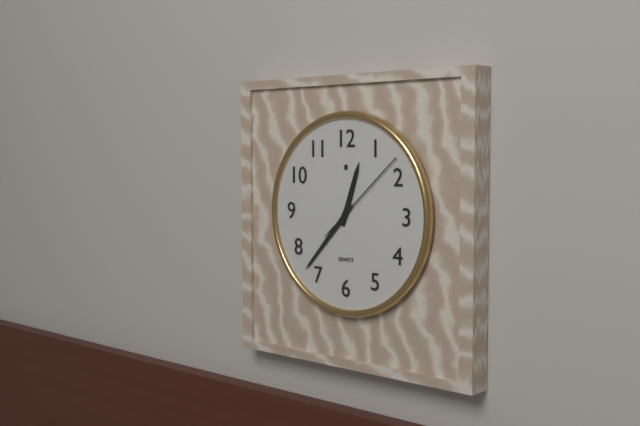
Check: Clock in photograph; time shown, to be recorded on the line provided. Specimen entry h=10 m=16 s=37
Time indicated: h=12 m=37 s=8
